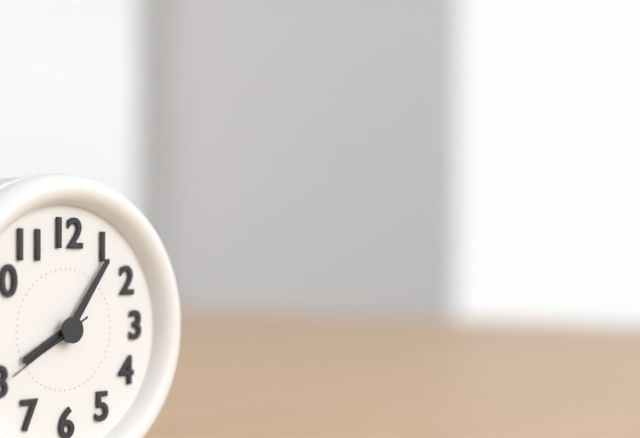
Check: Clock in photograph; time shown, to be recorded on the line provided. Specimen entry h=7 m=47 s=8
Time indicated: h=8 m=6 s=40
